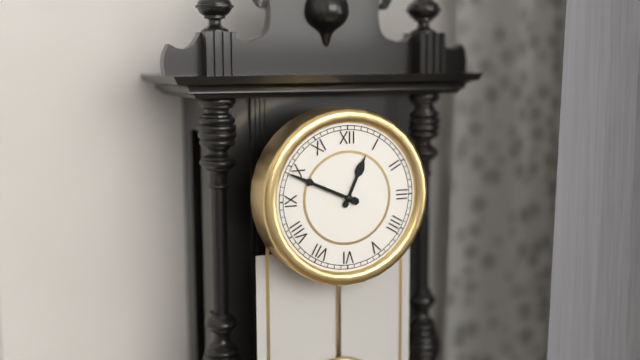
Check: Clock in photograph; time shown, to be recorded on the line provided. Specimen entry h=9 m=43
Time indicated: h=12 m=49
